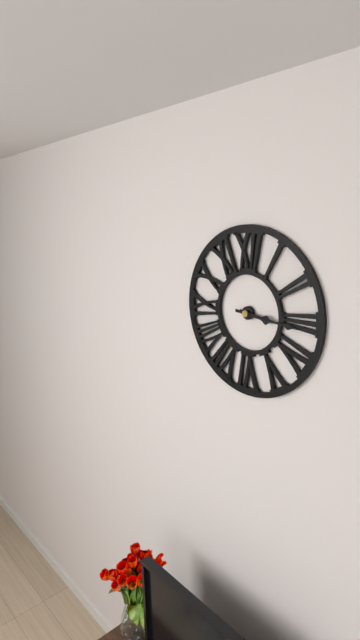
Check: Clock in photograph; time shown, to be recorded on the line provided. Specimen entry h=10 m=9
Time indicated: h=3 m=16
